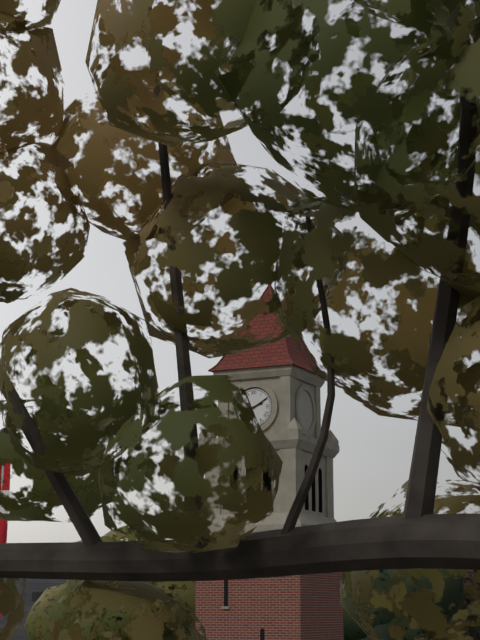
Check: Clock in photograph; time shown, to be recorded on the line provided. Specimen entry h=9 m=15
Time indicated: h=2 m=10
